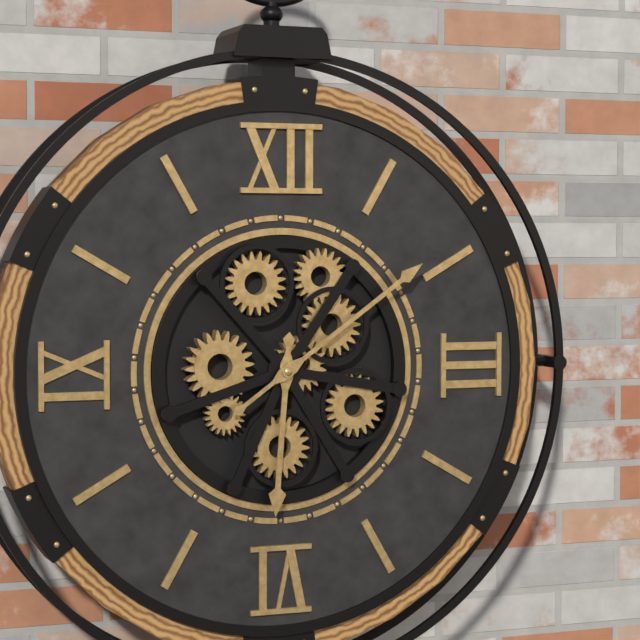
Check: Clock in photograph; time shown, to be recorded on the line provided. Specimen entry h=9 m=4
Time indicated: h=6 m=9
